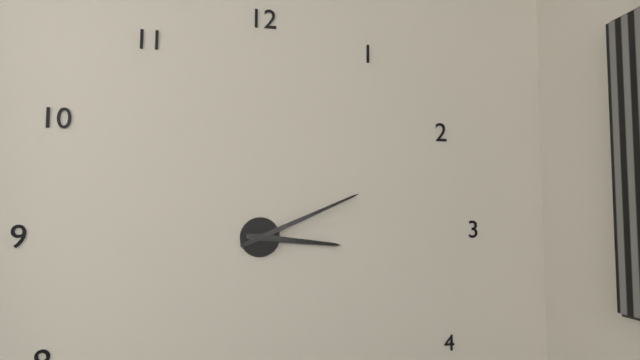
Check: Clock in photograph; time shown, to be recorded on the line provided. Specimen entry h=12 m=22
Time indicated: h=3 m=11
